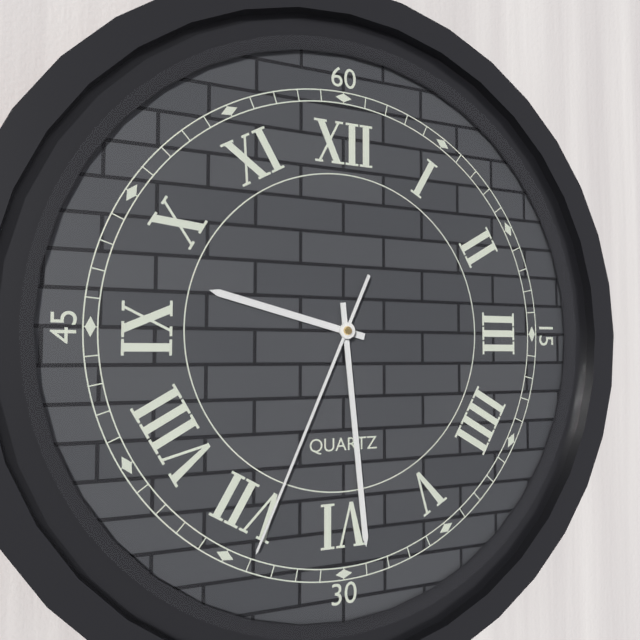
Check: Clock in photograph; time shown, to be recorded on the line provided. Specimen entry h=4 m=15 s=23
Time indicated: h=9 m=29 s=34
